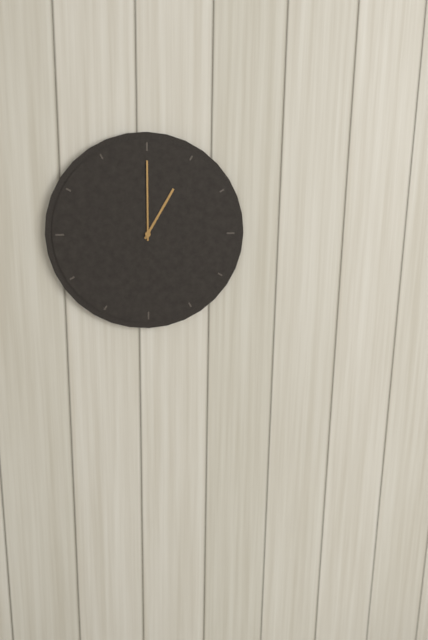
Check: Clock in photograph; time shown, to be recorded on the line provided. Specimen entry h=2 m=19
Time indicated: h=1 m=0
